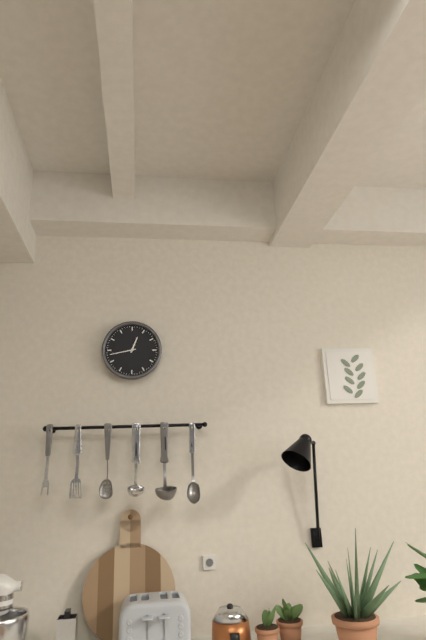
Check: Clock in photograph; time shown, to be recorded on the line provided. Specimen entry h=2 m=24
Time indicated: h=12 m=43
